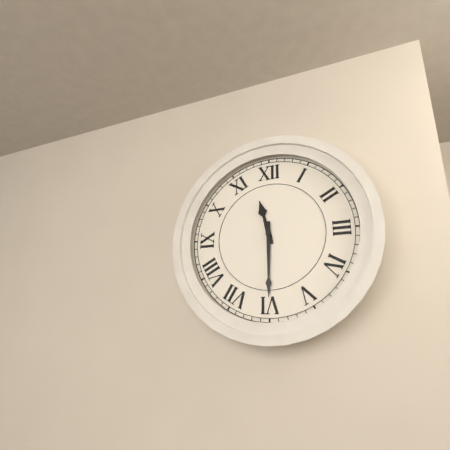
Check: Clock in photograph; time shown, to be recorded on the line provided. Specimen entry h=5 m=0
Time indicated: h=11 m=30
